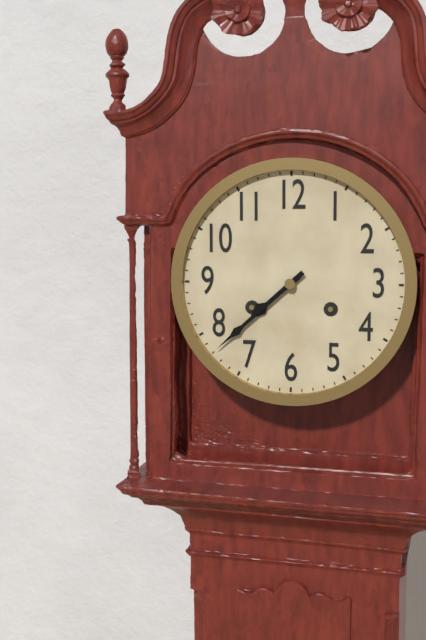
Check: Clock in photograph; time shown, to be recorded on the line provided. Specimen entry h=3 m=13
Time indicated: h=7 m=38
